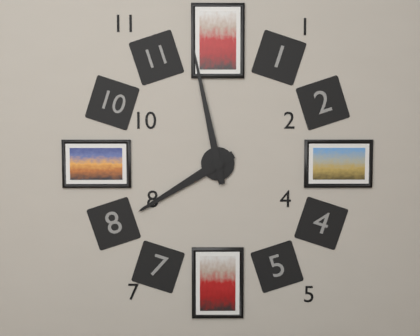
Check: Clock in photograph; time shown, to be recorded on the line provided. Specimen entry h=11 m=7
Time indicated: h=7 m=58
